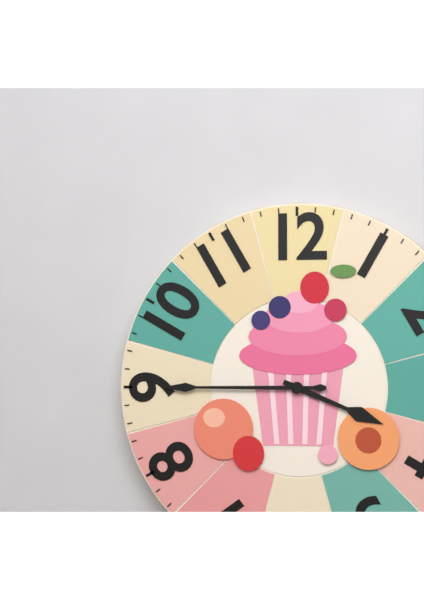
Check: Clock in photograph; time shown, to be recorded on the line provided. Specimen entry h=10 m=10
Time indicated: h=3 m=45
